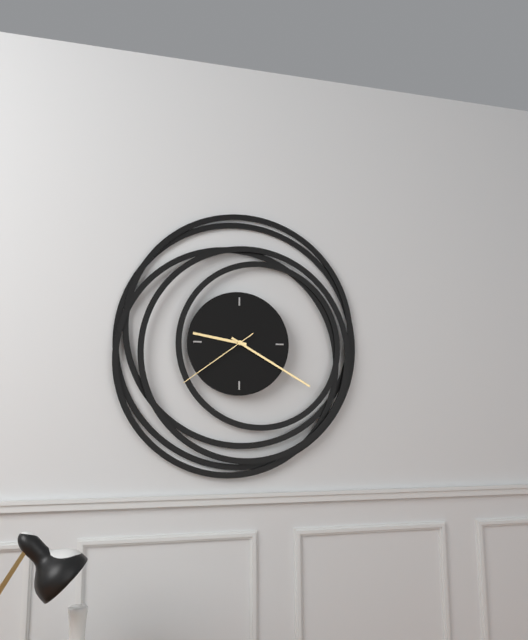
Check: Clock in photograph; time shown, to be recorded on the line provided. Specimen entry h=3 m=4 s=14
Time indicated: h=9 m=20 s=39
